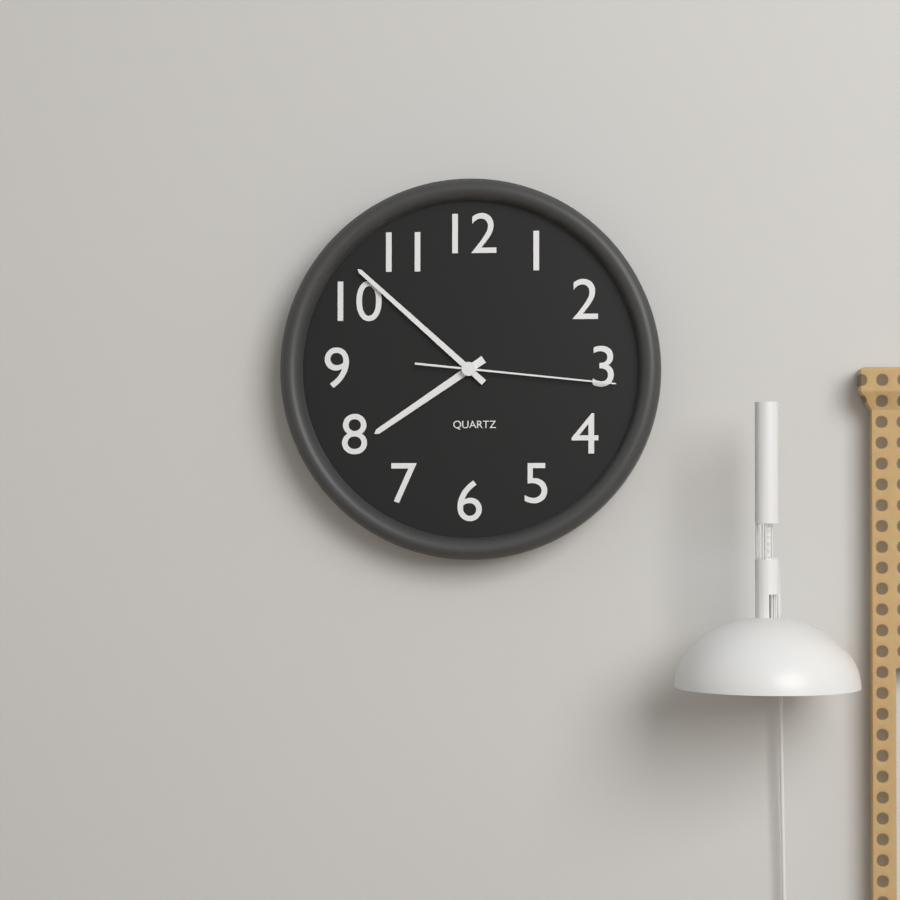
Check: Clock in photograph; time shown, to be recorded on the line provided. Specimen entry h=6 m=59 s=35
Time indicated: h=7 m=52 s=16
